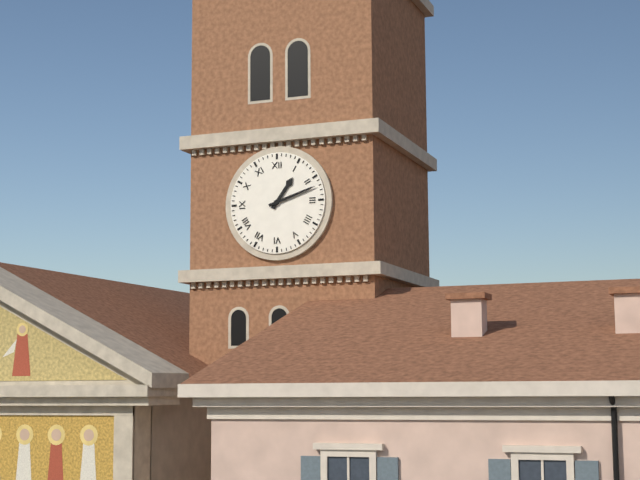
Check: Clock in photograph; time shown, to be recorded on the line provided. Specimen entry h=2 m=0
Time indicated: h=1 m=12
